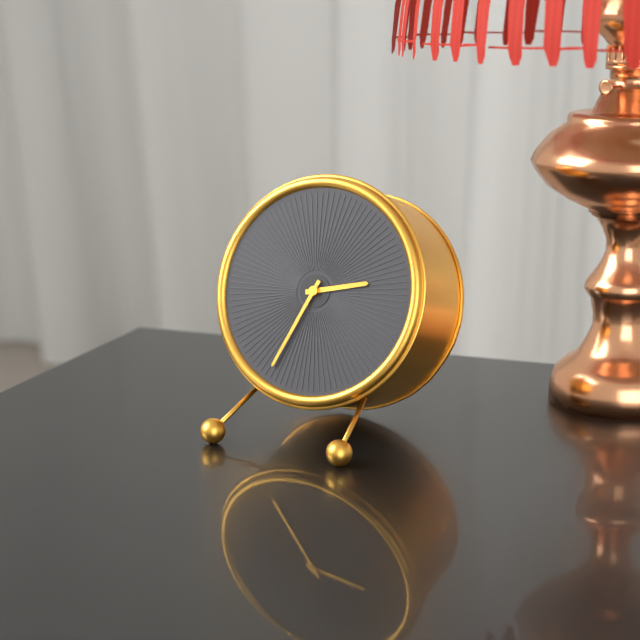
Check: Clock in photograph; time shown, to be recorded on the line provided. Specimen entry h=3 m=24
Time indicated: h=2 m=34
